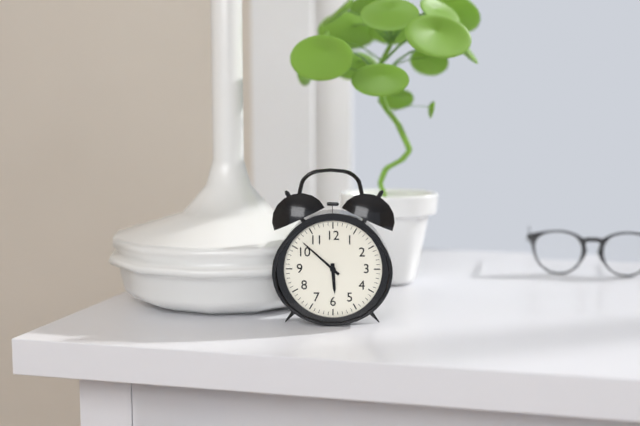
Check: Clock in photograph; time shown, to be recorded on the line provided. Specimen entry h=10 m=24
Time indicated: h=5 m=52
